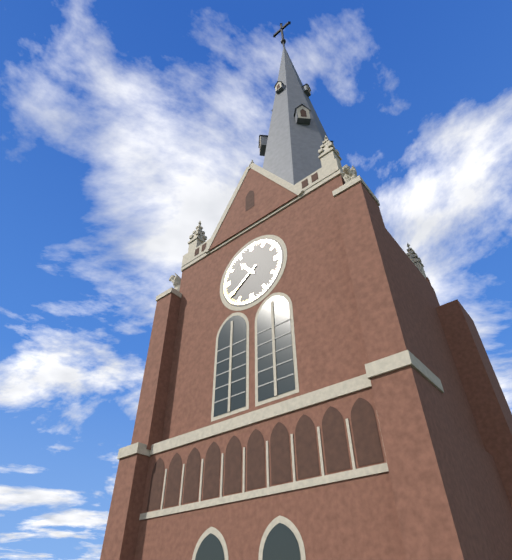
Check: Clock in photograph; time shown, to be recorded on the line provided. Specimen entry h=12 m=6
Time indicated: h=10 m=39
